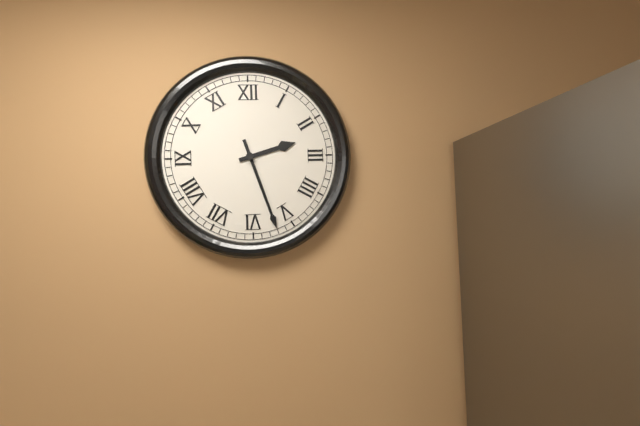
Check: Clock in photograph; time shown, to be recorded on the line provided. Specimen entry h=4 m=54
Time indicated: h=2 m=27
